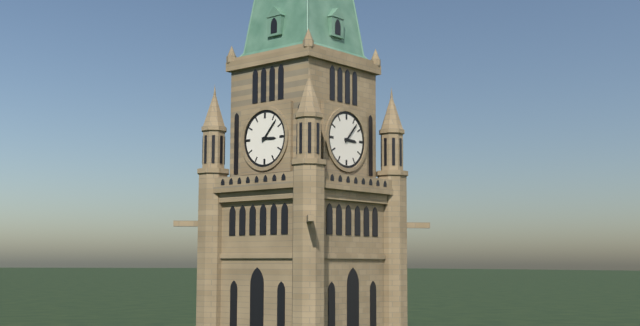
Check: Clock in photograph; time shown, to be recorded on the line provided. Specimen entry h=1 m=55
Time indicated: h=3 m=7
